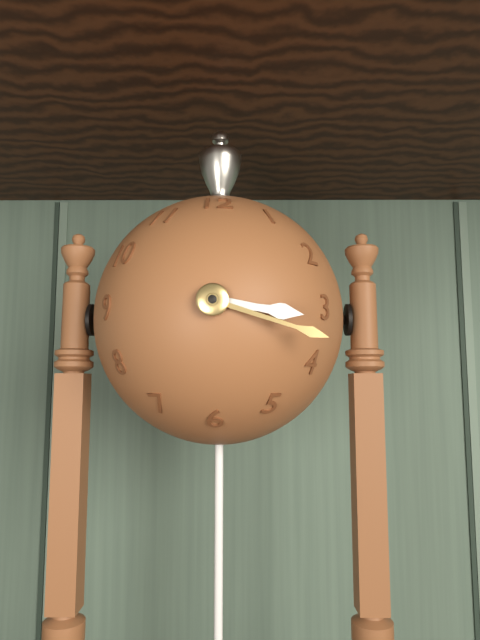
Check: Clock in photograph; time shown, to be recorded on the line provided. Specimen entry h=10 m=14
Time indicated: h=3 m=18
